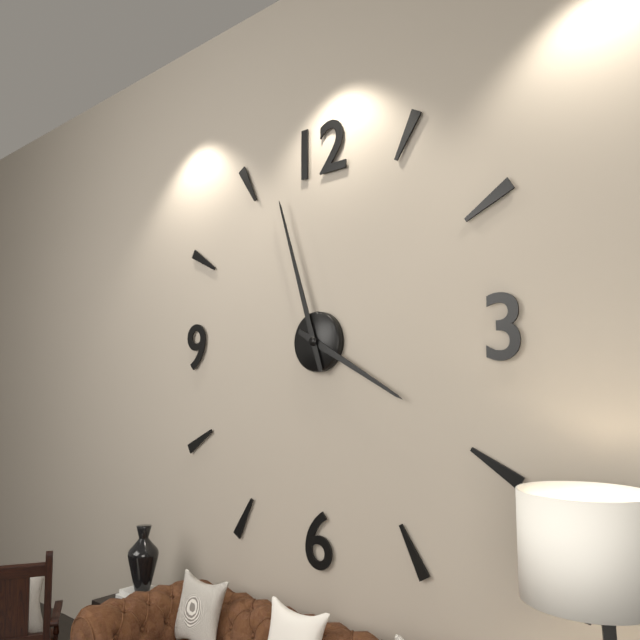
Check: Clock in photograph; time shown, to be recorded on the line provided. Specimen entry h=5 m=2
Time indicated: h=3 m=57
